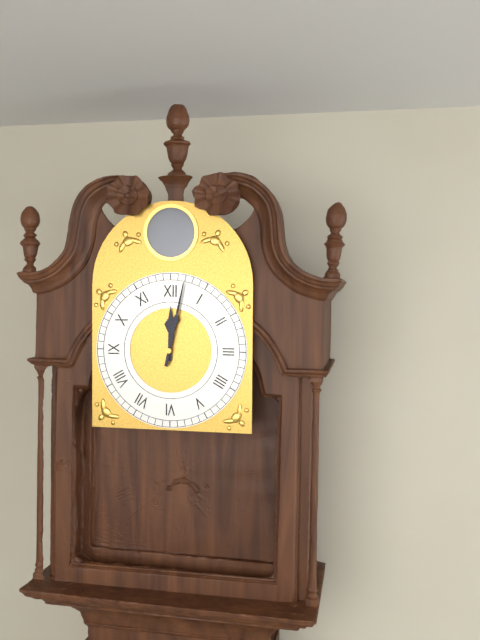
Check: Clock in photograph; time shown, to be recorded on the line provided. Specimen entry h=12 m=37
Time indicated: h=12 m=2
